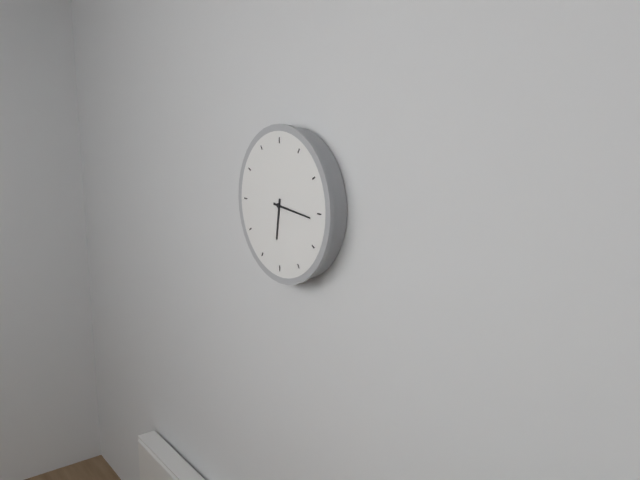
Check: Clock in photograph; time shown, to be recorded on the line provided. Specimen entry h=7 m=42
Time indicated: h=6 m=16
